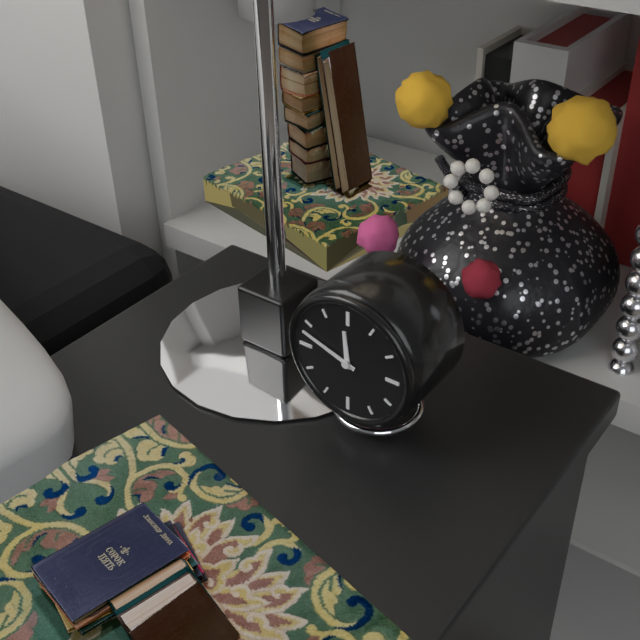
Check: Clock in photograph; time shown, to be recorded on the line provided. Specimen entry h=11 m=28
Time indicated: h=11 m=48
